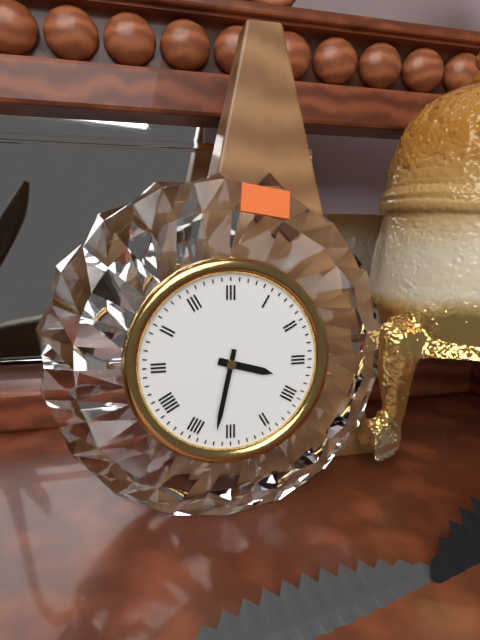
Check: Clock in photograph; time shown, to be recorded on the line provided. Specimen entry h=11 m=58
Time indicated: h=3 m=32
